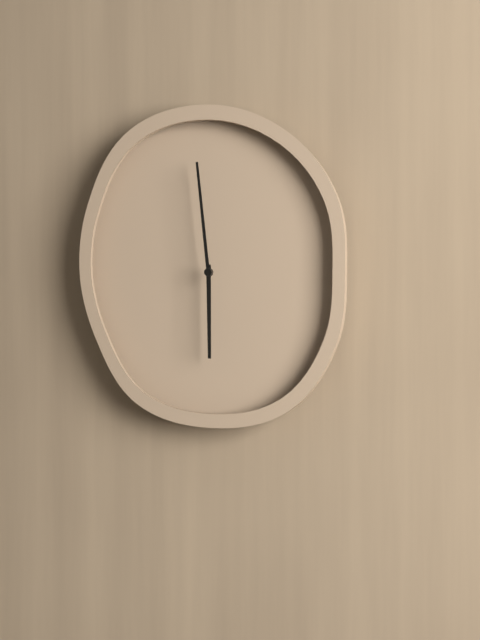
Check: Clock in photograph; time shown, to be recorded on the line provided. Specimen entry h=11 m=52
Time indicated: h=5 m=59
